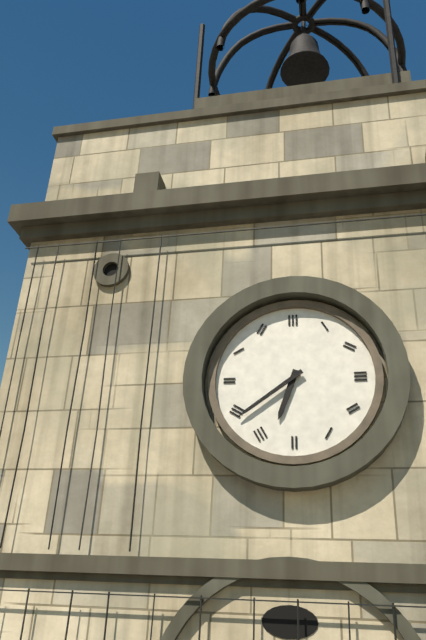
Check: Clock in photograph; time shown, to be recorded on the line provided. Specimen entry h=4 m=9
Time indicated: h=6 m=39
